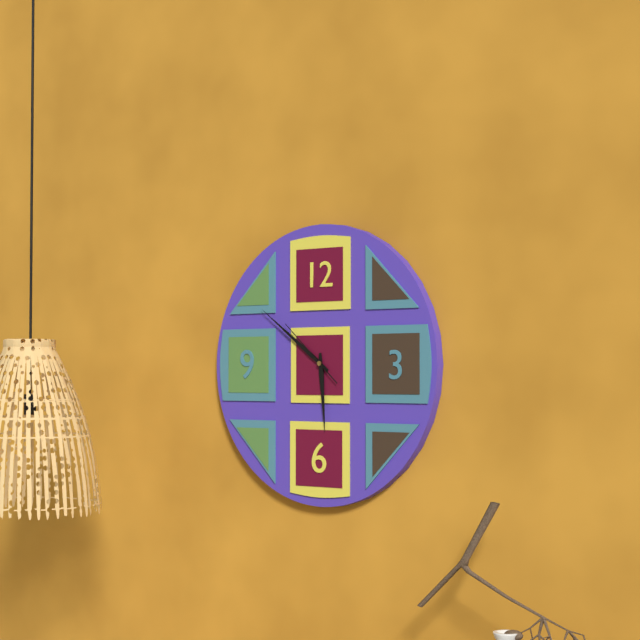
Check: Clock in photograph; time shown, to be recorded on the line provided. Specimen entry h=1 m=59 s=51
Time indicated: h=5 m=51 s=52
